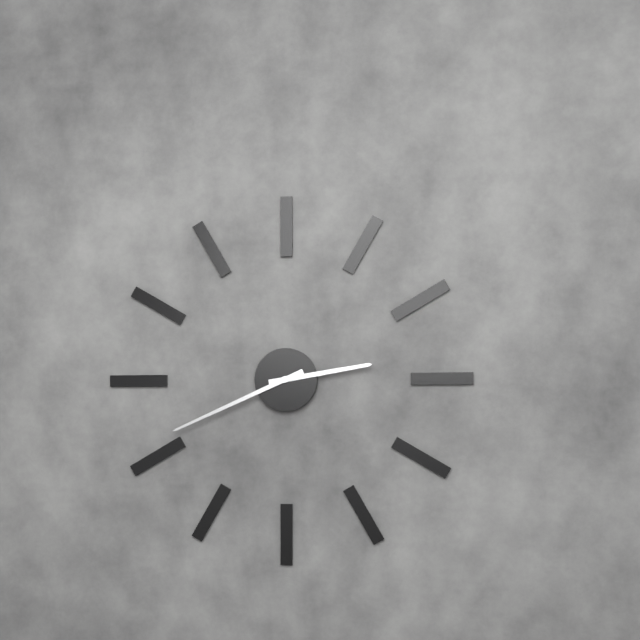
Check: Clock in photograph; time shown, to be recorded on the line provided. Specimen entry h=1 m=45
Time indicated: h=2 m=41
